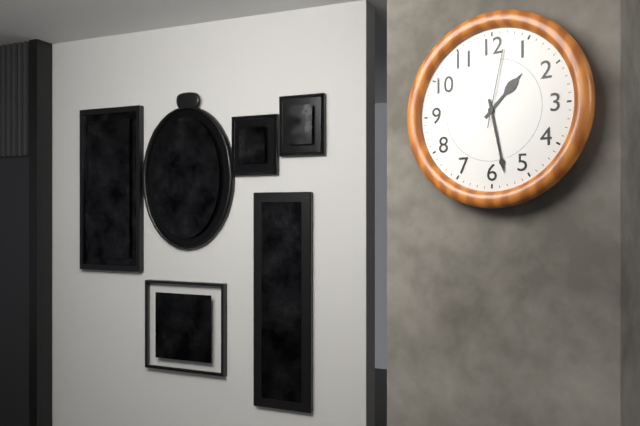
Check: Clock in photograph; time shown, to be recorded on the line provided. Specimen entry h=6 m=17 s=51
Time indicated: h=1 m=28 s=2
